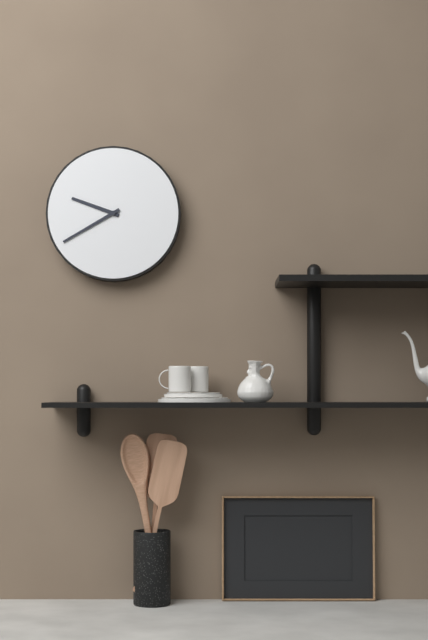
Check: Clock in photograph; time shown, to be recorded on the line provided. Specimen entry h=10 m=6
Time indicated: h=9 m=40
